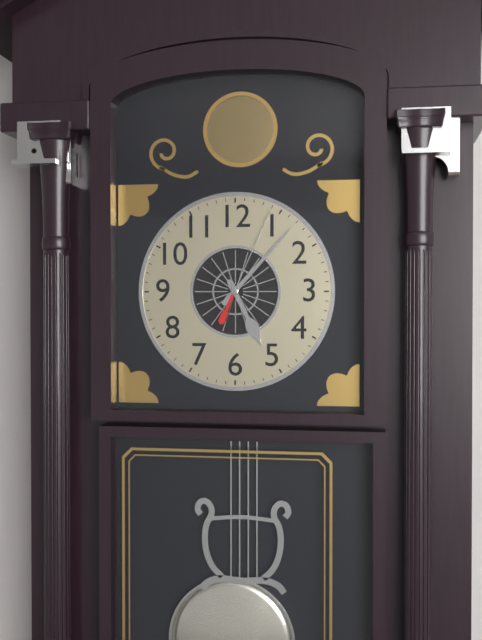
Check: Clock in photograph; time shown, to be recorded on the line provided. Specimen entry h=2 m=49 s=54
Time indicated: h=5 m=7 s=4
